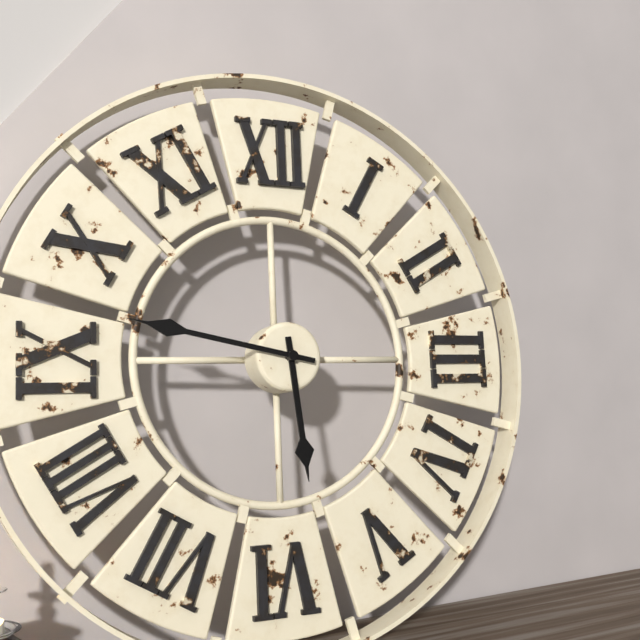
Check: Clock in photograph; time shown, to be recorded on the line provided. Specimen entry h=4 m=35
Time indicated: h=5 m=47
